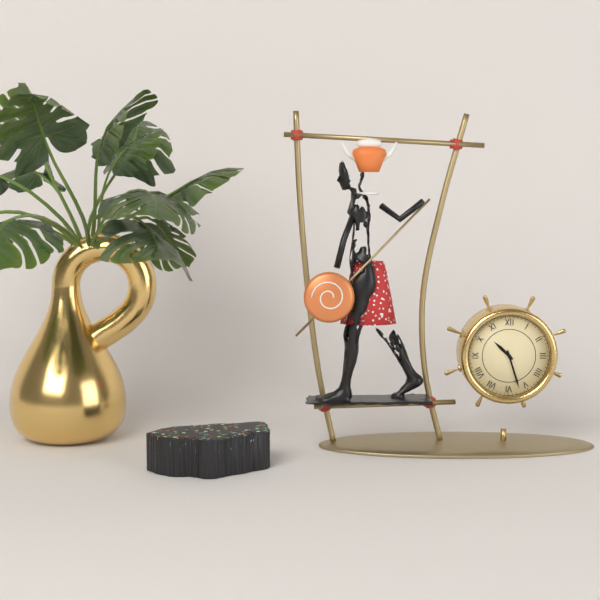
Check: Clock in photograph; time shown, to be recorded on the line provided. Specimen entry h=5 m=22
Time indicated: h=10 m=27
